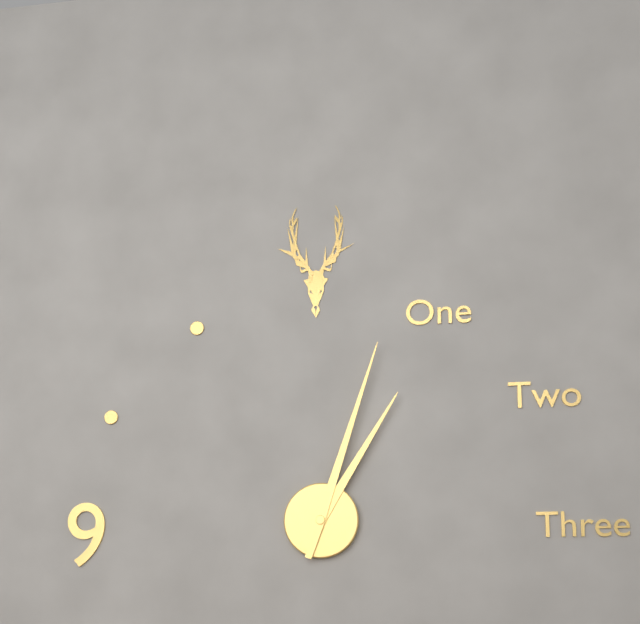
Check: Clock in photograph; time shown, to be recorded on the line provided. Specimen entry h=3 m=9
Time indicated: h=1 m=3
